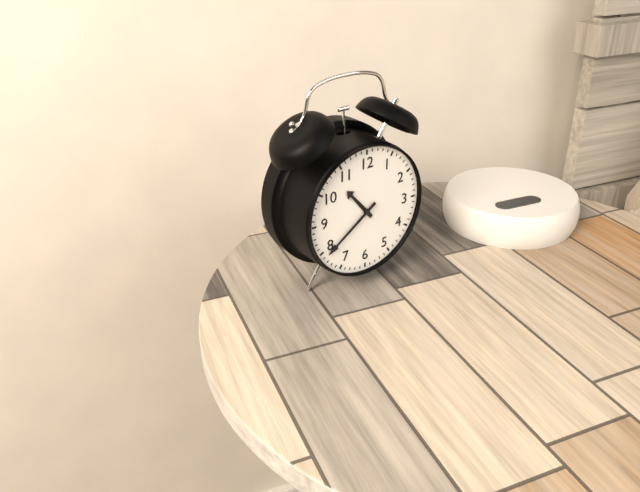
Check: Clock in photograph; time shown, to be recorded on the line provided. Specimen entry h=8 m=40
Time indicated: h=10 m=39
